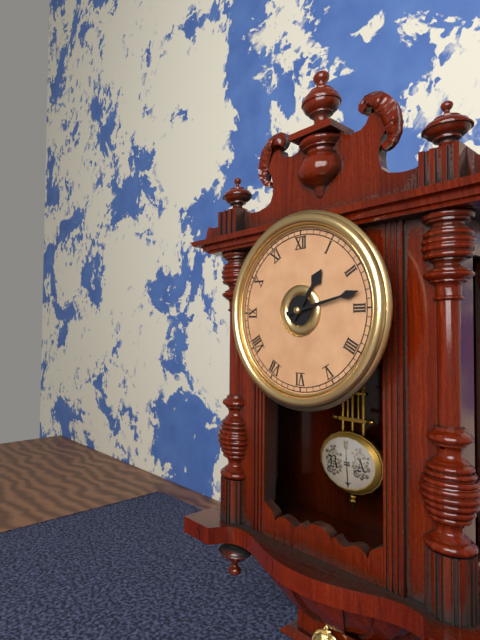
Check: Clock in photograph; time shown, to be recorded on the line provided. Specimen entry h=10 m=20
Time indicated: h=1 m=13
